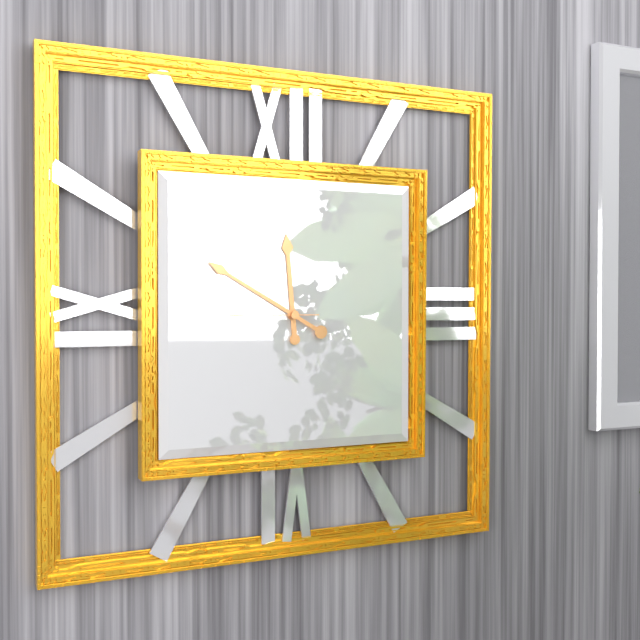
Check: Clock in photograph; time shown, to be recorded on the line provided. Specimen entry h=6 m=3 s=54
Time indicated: h=11 m=50 s=45
